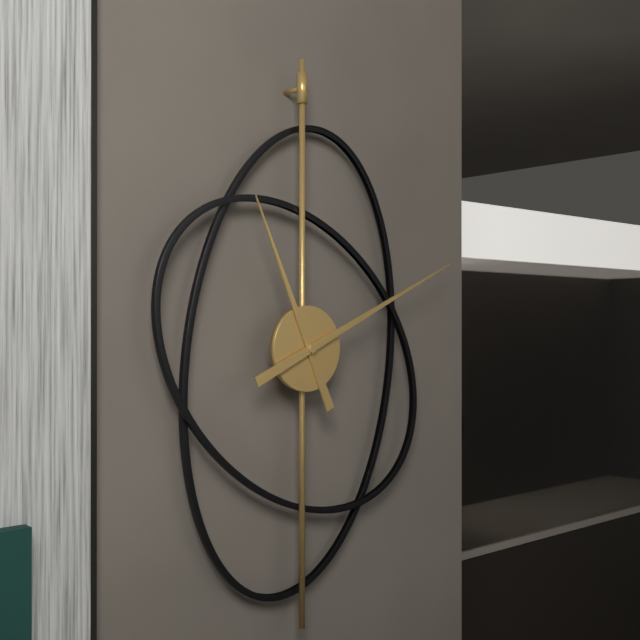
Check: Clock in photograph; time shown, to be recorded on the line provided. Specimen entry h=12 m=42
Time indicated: h=11 m=11
